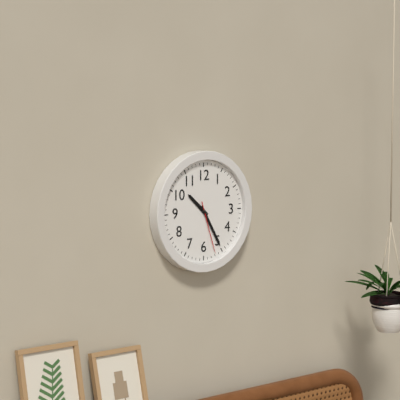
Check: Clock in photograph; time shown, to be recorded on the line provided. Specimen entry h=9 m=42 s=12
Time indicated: h=10 m=25 s=27
